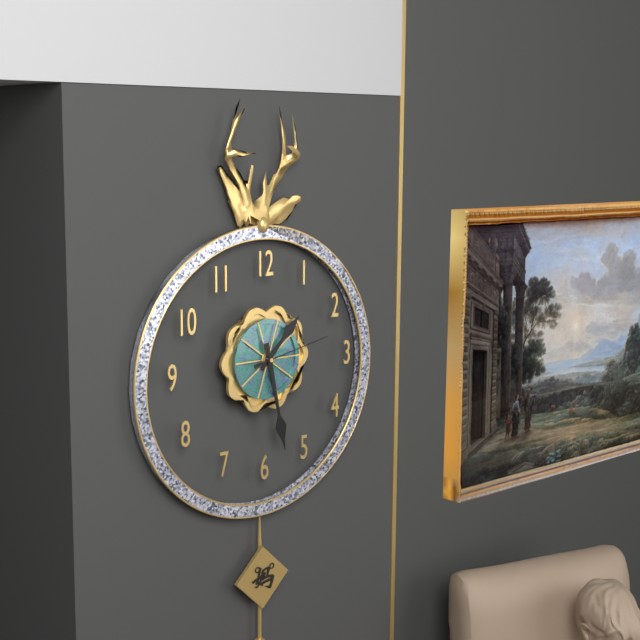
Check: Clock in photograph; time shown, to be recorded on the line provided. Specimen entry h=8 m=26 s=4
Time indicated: h=1 m=28 s=13
